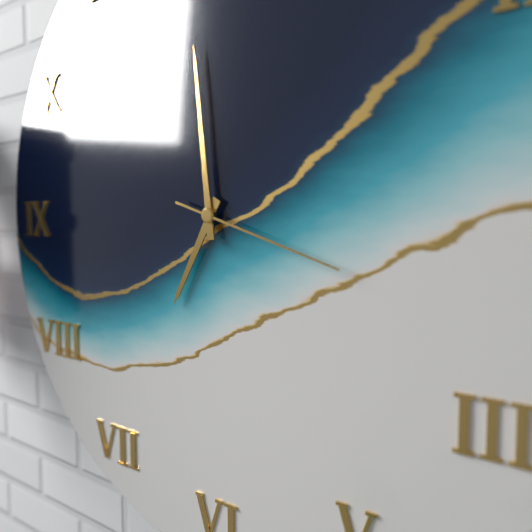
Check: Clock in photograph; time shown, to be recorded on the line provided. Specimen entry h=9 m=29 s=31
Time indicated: h=6 m=59 s=18
